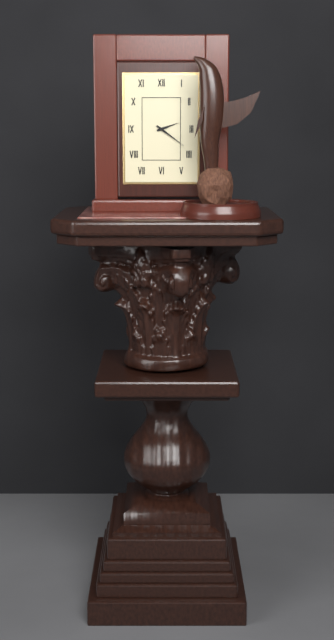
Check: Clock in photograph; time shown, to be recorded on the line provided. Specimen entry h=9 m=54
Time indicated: h=2 m=21
